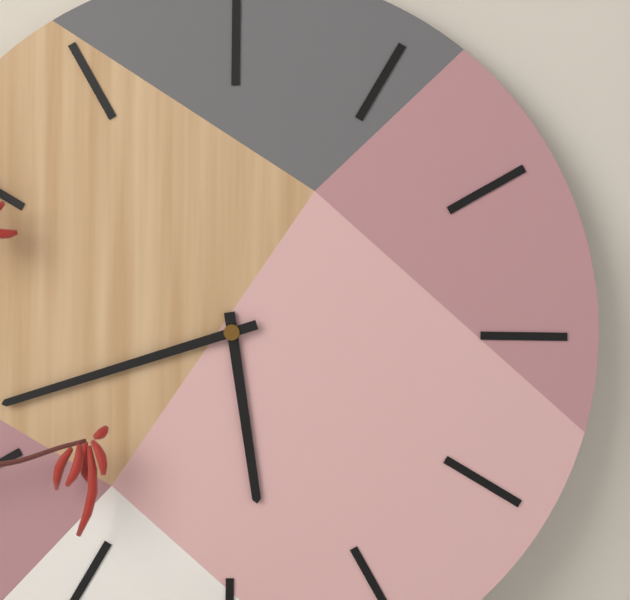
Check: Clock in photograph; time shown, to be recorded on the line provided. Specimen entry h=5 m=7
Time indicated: h=5 m=42
